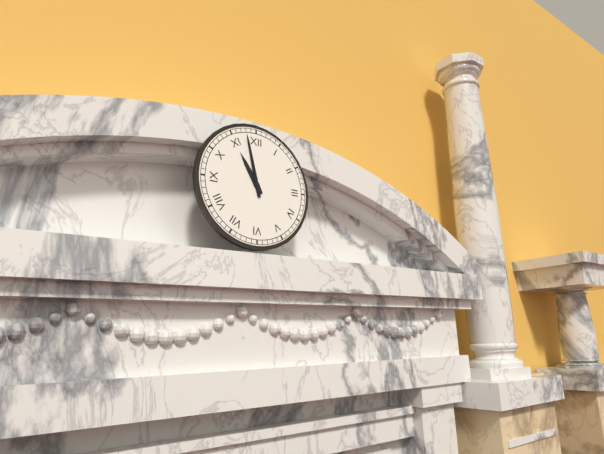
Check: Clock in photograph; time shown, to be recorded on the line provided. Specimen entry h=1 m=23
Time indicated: h=10 m=58
